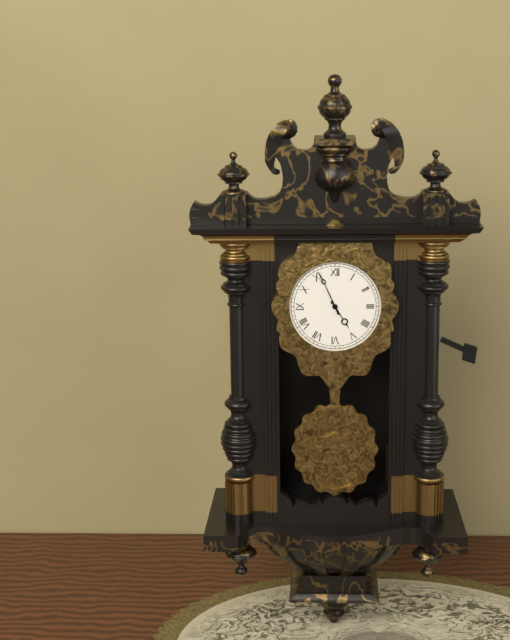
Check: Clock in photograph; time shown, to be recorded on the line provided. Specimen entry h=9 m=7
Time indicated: h=4 m=56
